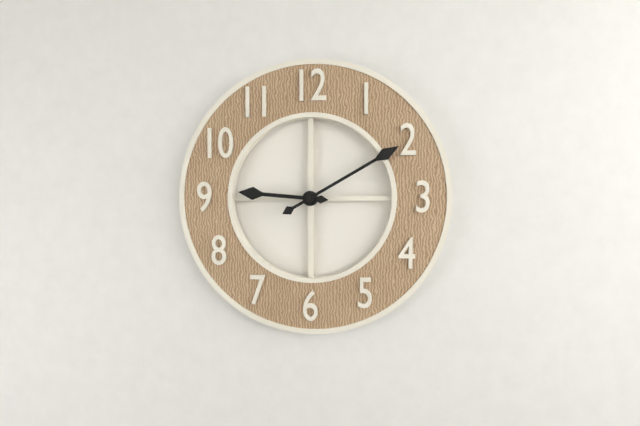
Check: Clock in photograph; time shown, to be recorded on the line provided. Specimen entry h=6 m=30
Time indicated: h=9 m=10
